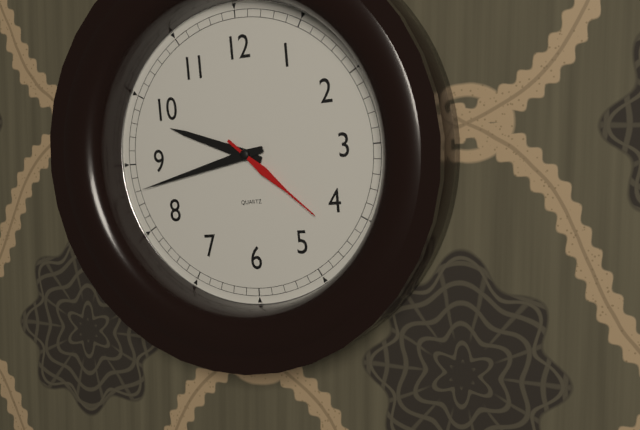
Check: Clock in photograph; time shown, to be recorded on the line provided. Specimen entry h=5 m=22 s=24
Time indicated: h=9 m=43 s=22
